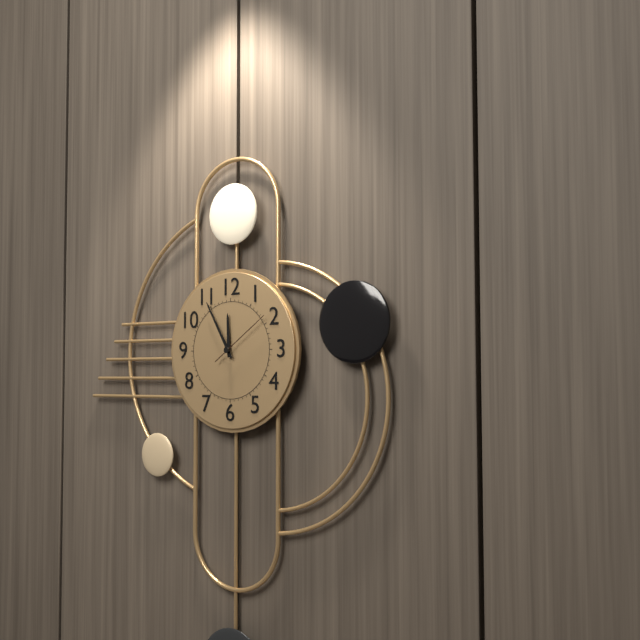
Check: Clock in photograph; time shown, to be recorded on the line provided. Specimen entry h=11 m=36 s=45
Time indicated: h=11 m=55 s=9
